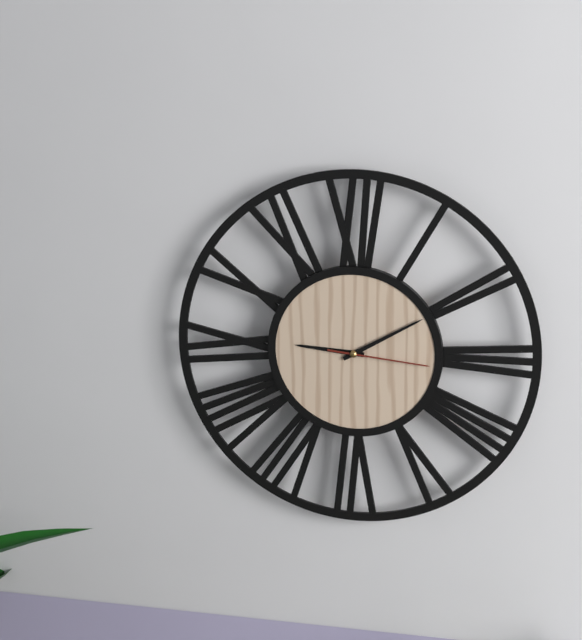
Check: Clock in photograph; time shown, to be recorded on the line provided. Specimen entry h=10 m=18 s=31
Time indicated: h=9 m=10 s=16
